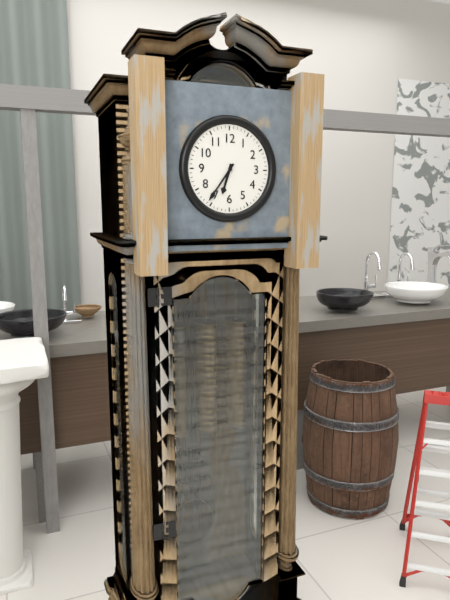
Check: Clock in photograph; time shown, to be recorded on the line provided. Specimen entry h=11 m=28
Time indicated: h=6 m=36
